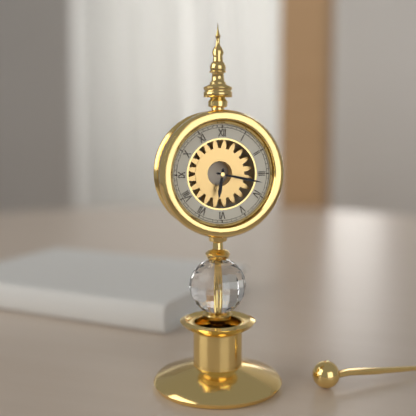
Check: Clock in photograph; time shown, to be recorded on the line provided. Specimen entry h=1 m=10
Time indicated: h=6 m=17
